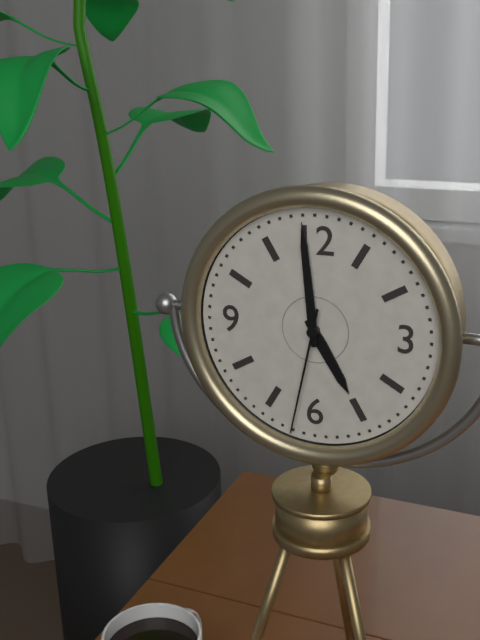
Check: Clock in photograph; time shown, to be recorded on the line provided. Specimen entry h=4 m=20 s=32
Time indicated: h=4 m=59 s=32
